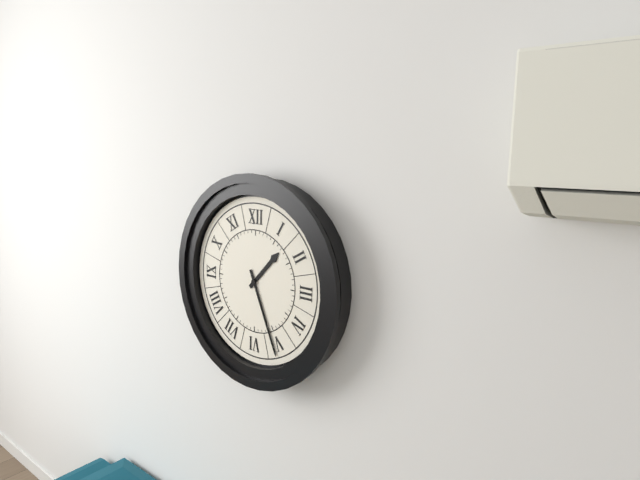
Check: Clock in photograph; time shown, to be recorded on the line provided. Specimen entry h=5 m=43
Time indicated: h=1 m=26
